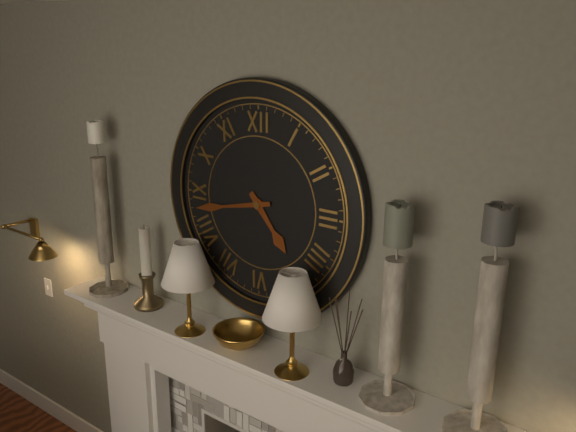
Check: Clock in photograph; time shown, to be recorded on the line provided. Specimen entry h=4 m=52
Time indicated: h=4 m=43
